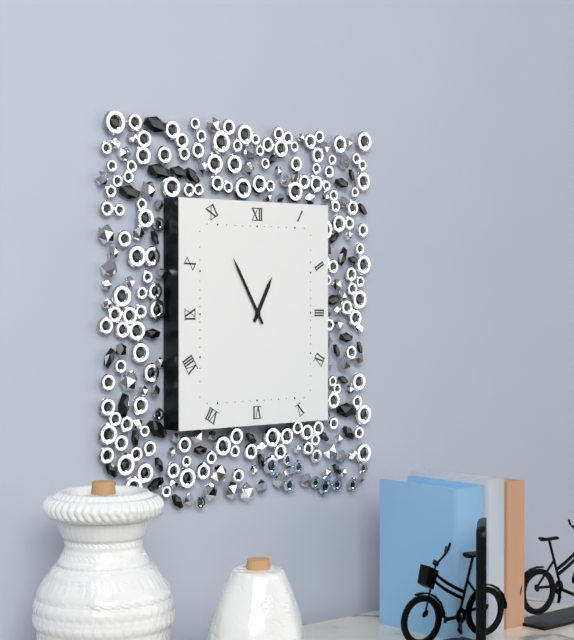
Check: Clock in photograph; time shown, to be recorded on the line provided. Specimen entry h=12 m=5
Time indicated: h=12 m=55
